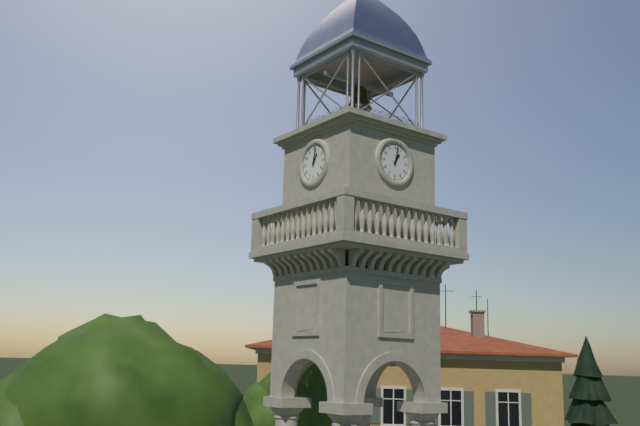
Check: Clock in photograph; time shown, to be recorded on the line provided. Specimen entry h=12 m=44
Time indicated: h=1 m=2
